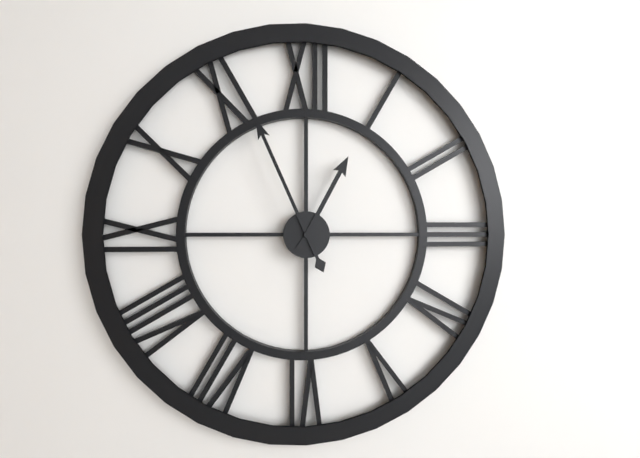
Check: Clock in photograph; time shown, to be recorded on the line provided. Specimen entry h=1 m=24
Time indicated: h=12 m=56
